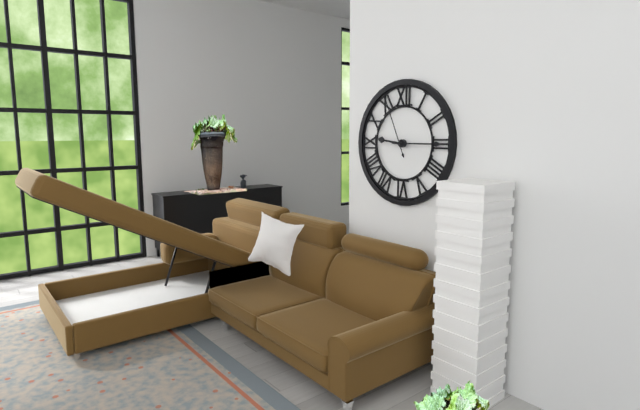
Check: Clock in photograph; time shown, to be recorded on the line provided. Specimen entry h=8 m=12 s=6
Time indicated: h=9 m=15 s=56
